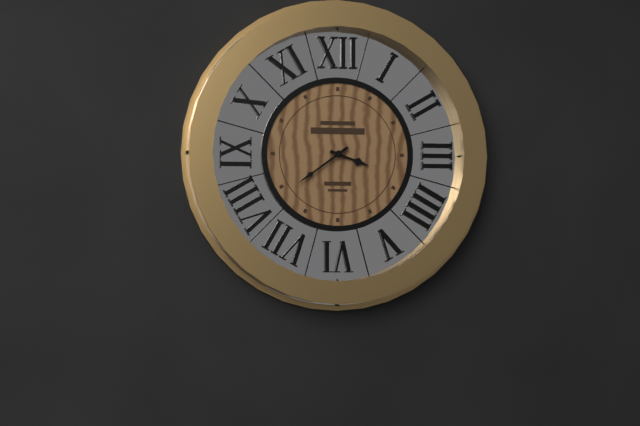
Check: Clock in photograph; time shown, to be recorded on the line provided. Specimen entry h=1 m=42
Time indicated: h=3 m=39
